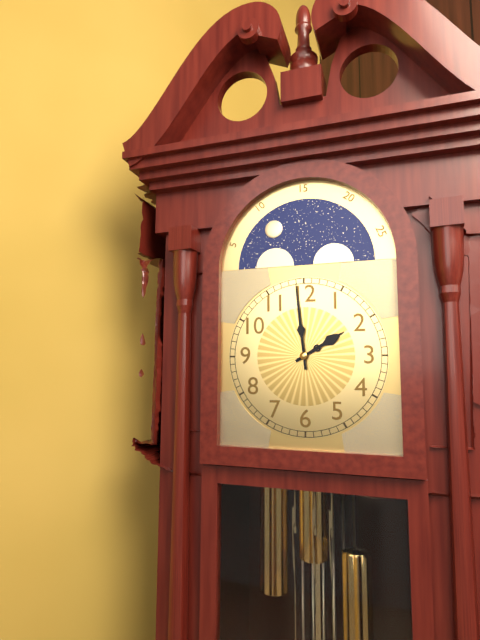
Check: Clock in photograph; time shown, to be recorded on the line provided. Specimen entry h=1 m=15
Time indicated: h=1 m=59
